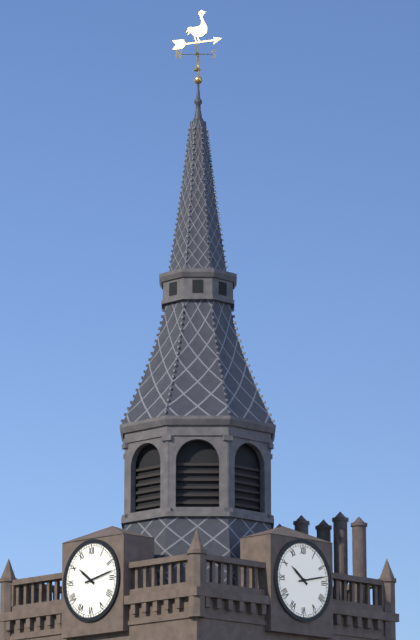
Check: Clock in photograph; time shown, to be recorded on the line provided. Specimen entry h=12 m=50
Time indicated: h=10 m=13
